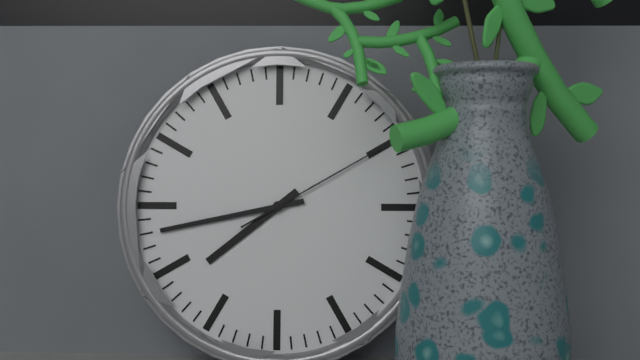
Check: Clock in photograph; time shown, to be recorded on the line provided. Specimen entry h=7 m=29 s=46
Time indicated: h=7 m=43 s=10
